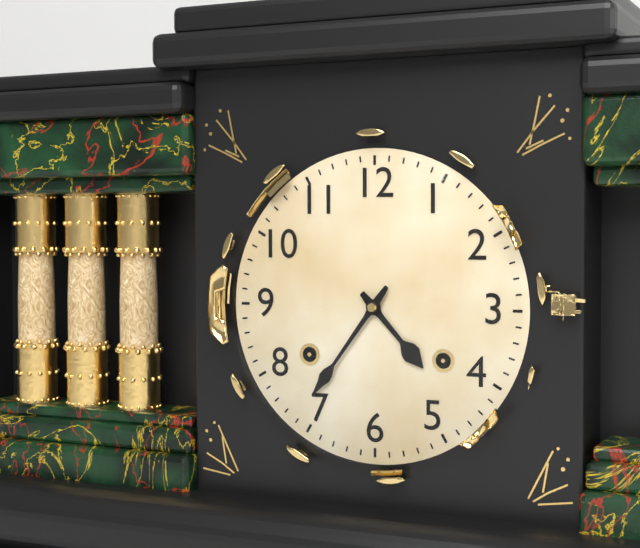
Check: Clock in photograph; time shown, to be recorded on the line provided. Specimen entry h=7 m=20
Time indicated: h=4 m=36
